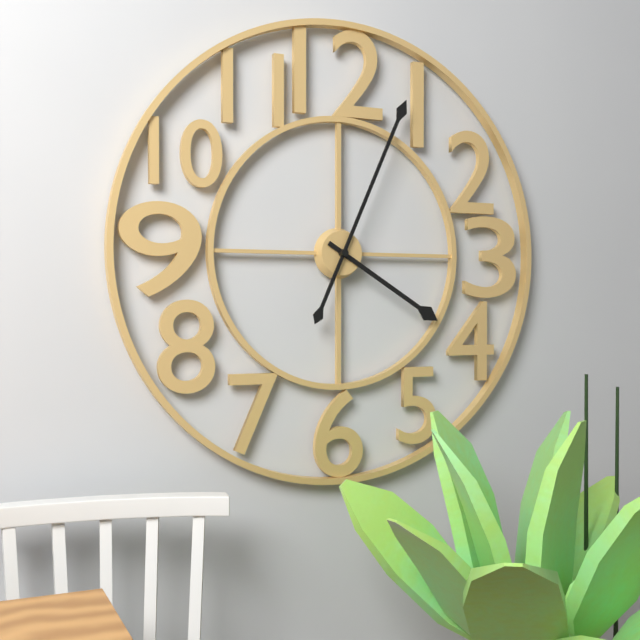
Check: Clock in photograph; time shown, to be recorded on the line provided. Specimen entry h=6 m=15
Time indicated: h=4 m=4
